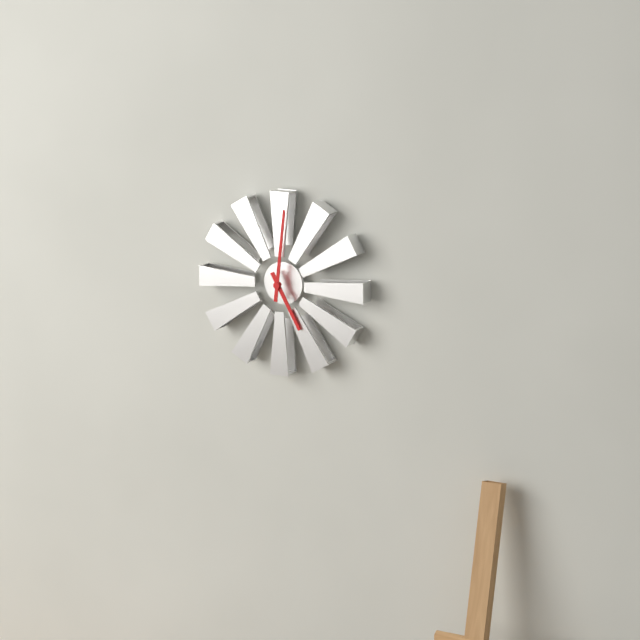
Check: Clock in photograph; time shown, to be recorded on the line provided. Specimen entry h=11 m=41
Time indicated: h=5 m=1
